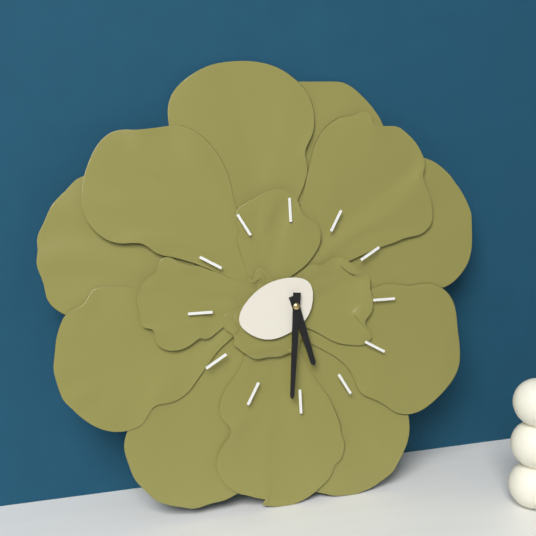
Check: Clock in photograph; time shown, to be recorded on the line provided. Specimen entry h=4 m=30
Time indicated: h=5 m=31
